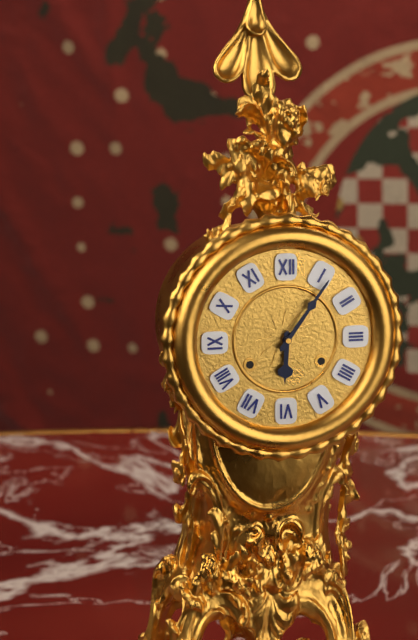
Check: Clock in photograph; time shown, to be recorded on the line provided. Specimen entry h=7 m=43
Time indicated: h=6 m=6
